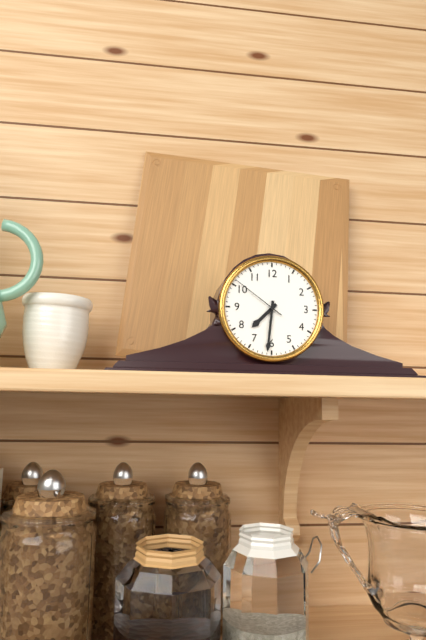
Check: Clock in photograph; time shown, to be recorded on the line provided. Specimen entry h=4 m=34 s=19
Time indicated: h=7 m=31 s=51
